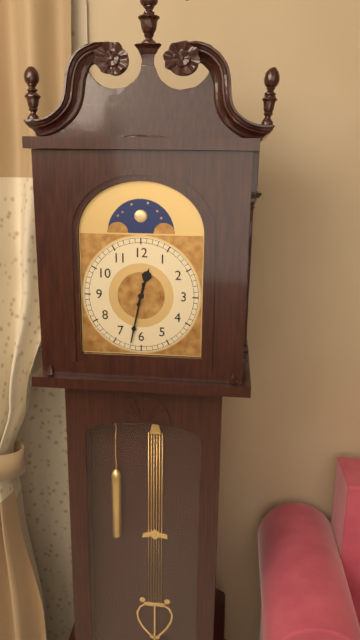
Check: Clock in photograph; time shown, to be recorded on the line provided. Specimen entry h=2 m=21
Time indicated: h=12 m=32
